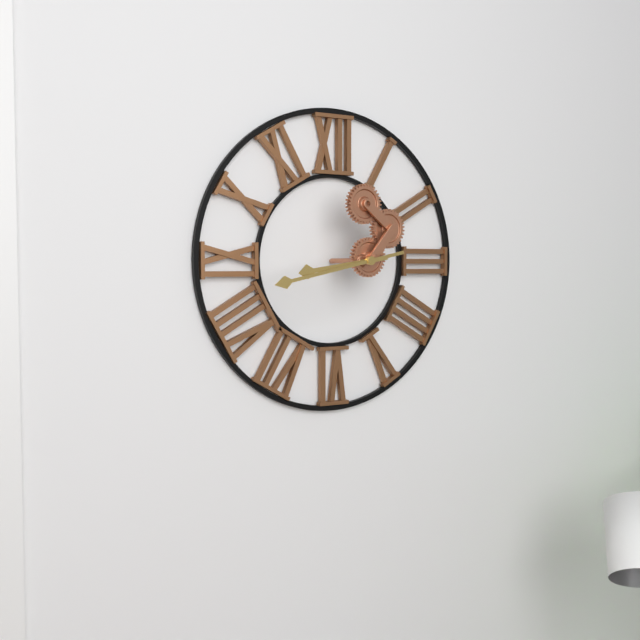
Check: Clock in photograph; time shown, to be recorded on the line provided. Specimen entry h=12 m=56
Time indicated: h=8 m=43
